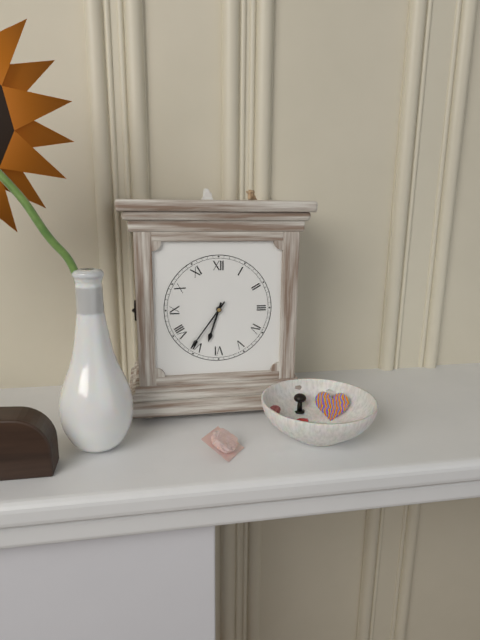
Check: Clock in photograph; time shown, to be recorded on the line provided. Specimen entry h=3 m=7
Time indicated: h=6 m=36
